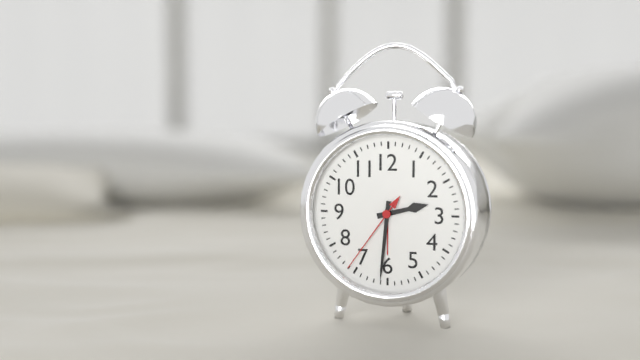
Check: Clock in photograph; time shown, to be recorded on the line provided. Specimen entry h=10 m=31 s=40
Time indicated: h=2 m=31 s=36
